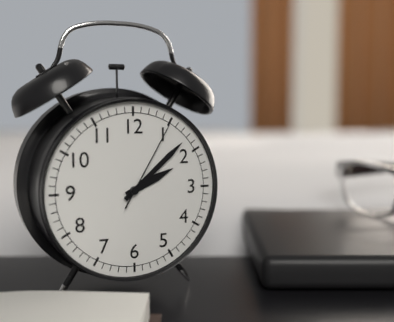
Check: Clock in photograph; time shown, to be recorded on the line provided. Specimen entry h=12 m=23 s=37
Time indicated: h=2 m=8 s=5
